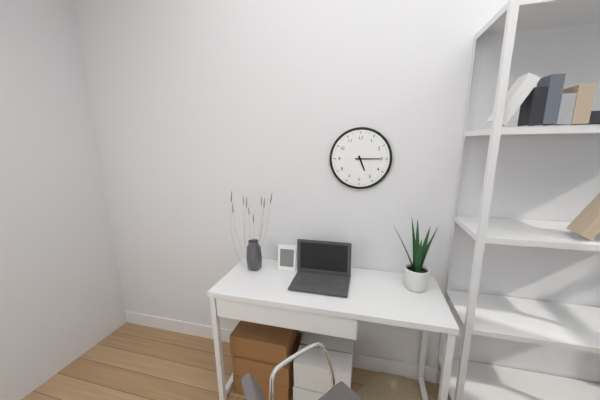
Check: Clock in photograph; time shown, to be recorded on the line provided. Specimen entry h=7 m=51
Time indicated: h=5 m=15
